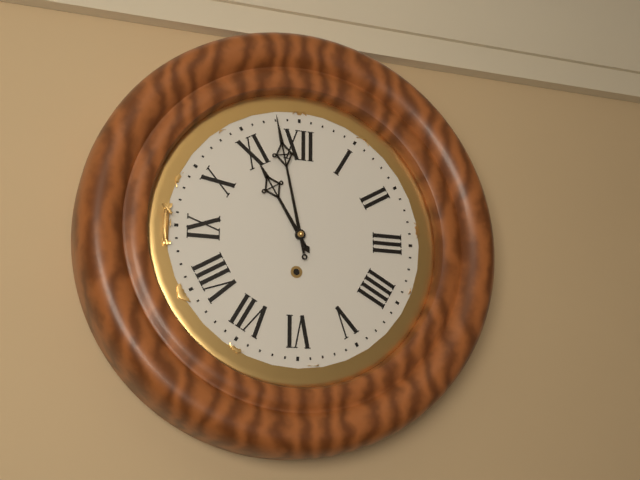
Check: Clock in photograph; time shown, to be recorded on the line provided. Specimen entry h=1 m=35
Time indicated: h=10 m=58
